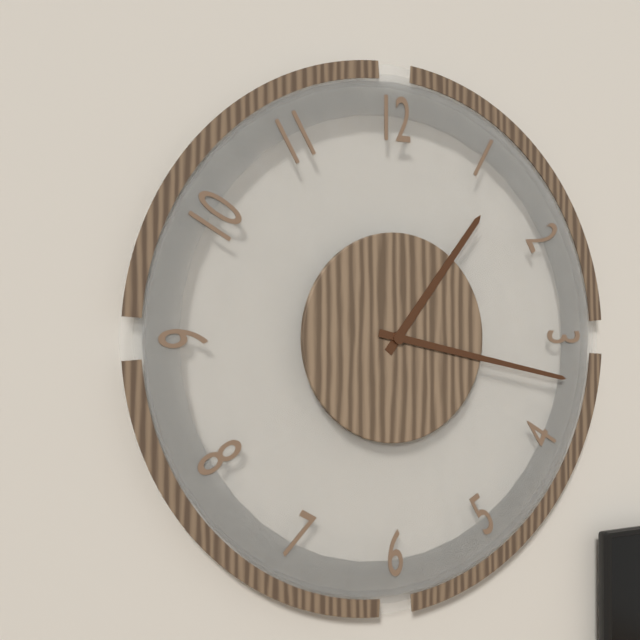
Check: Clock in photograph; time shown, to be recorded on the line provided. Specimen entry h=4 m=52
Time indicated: h=1 m=17
